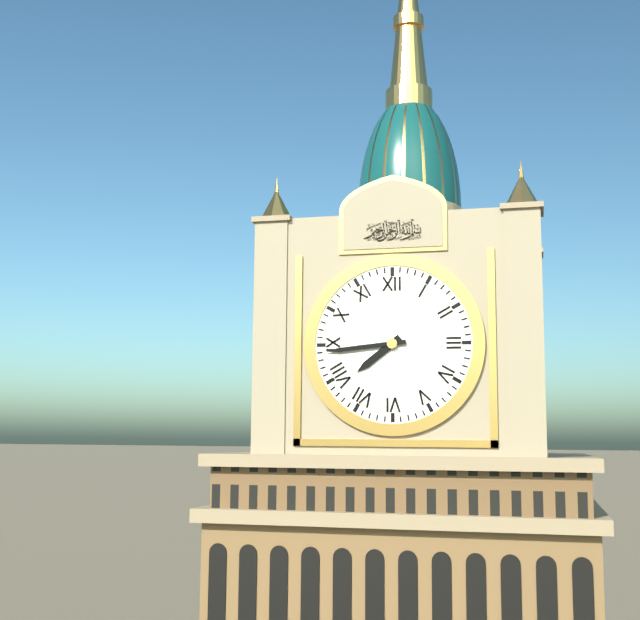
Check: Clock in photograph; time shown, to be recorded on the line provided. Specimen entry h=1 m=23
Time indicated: h=7 m=44
